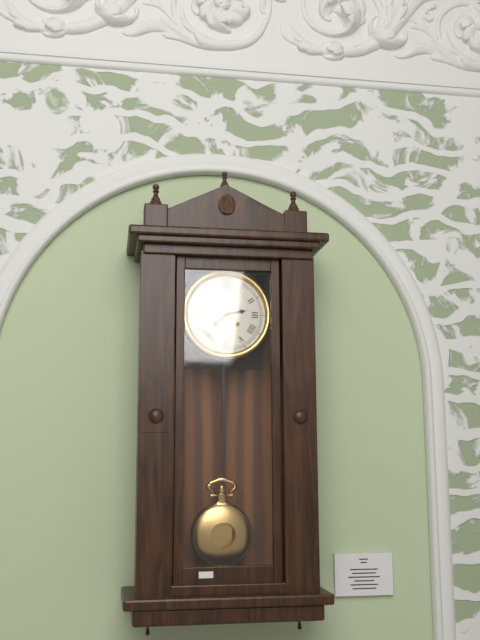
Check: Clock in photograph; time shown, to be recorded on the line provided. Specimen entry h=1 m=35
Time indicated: h=2 m=37
